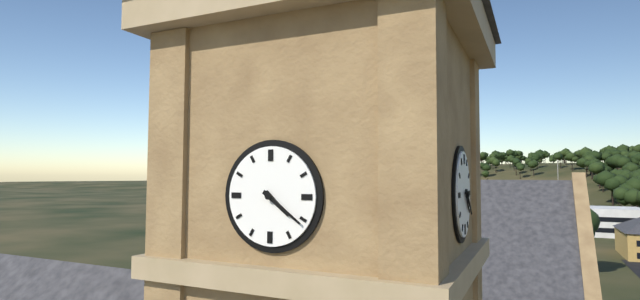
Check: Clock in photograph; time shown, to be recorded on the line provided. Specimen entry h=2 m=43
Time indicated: h=4 m=21
